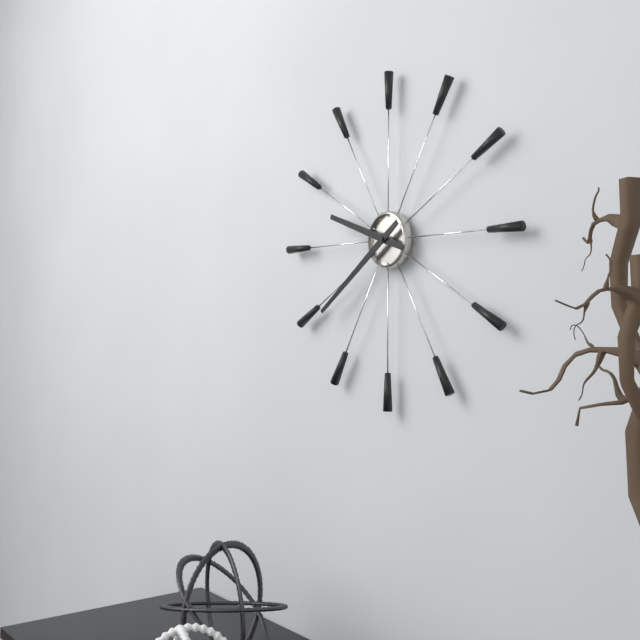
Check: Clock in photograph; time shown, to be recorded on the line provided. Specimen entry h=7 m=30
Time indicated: h=9 m=39
